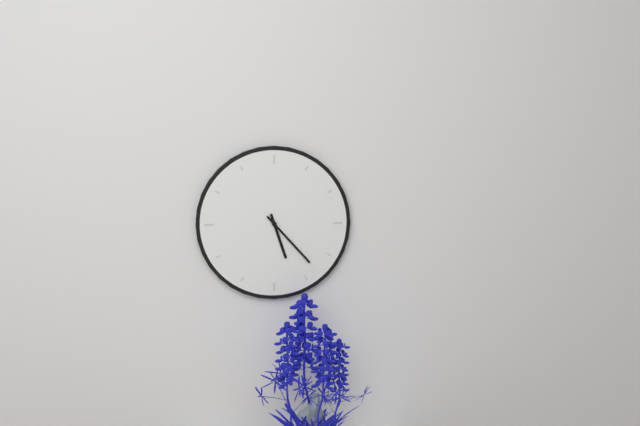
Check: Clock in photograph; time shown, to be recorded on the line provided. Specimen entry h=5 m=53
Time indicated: h=5 m=23
